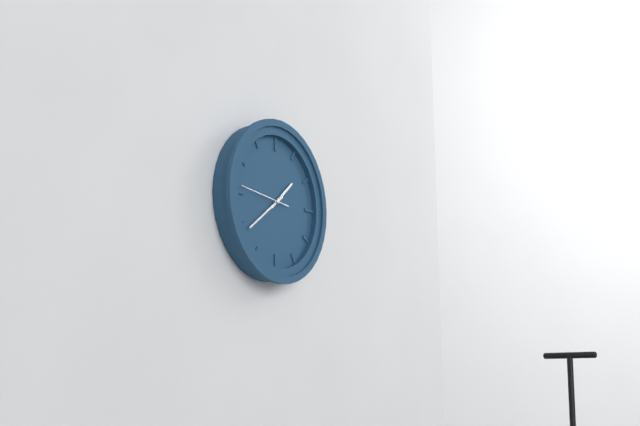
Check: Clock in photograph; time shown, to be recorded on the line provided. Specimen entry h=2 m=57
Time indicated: h=1 m=39
